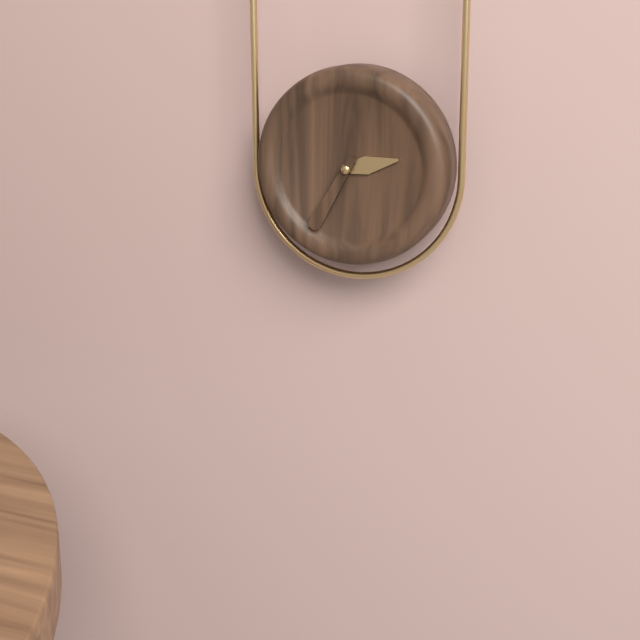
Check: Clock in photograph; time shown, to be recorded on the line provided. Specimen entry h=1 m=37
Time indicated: h=2 m=35
